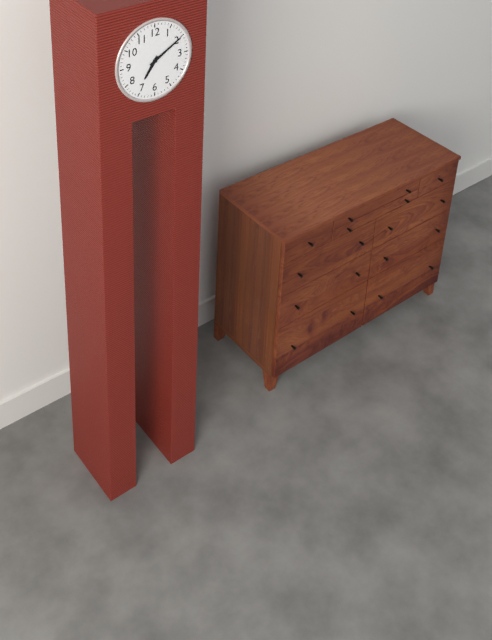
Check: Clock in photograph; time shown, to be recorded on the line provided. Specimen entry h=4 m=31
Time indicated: h=7 m=10
